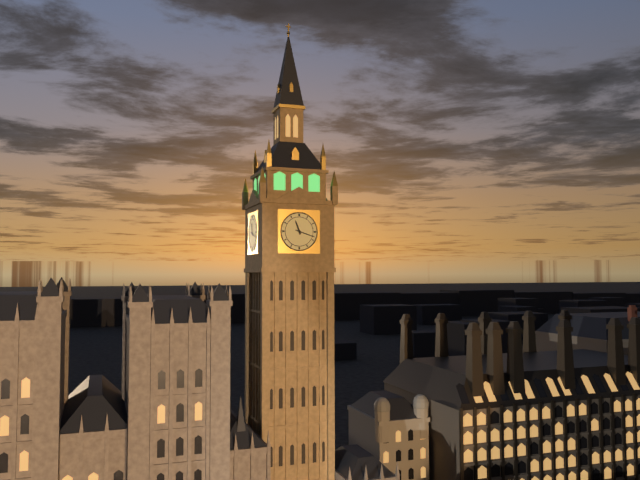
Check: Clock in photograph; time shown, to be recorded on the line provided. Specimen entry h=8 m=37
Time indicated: h=11 m=18
